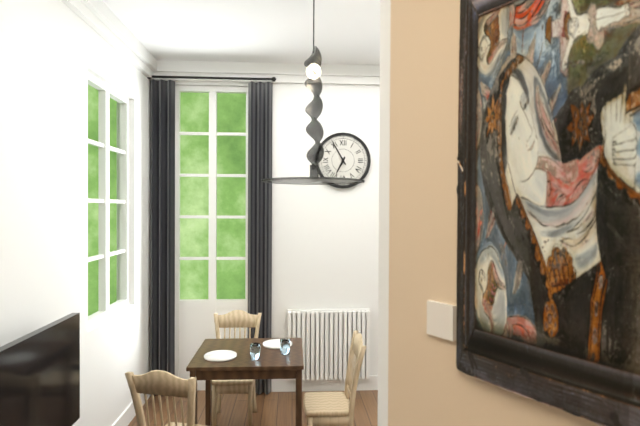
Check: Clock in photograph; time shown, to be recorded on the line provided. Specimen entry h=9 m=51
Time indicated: h=6 m=55
